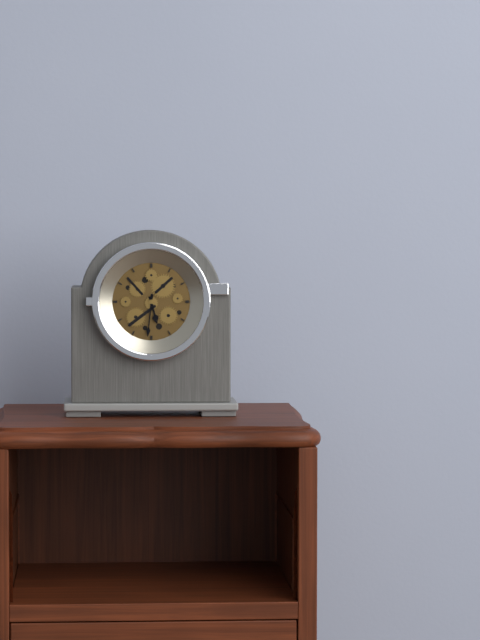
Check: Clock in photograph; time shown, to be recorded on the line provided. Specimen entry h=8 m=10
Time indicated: h=5 m=31
